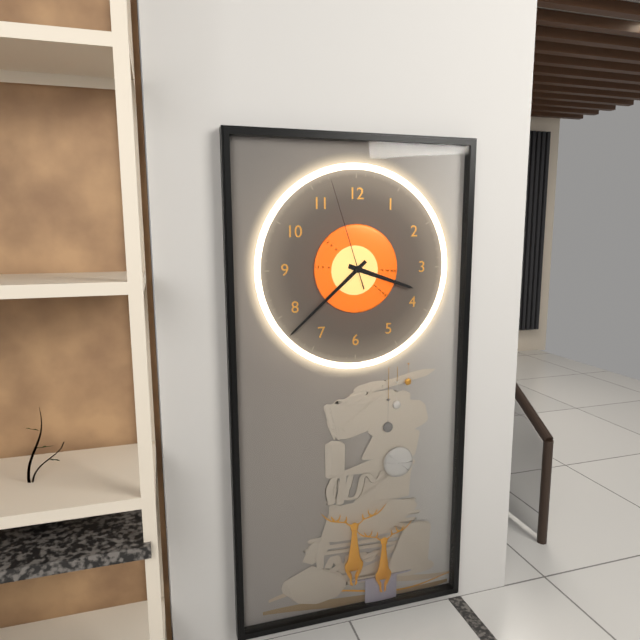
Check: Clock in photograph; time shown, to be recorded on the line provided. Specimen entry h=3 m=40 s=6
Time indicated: h=3 m=38 s=57
